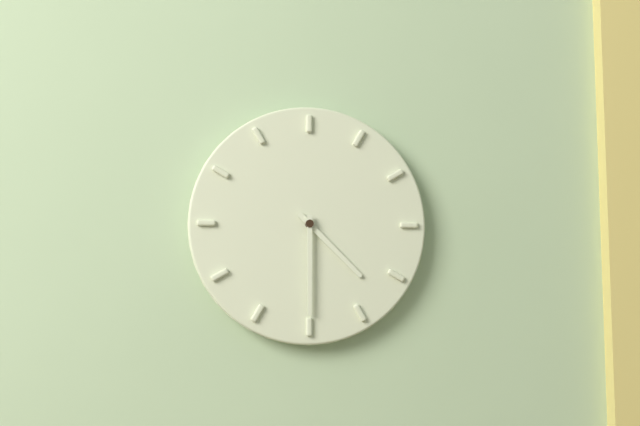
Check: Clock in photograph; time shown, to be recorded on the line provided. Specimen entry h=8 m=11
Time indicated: h=4 m=30
